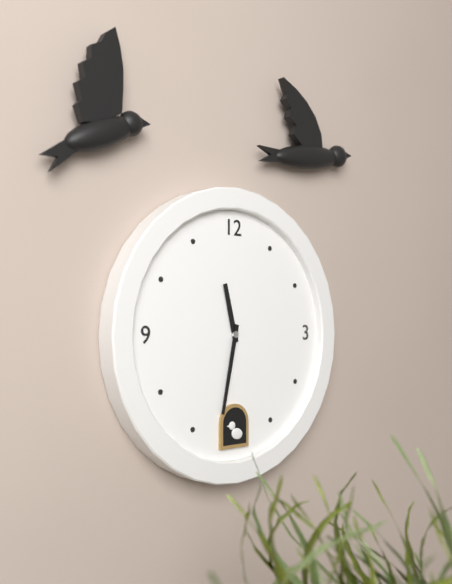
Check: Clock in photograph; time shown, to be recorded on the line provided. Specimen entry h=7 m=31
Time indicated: h=11 m=32
